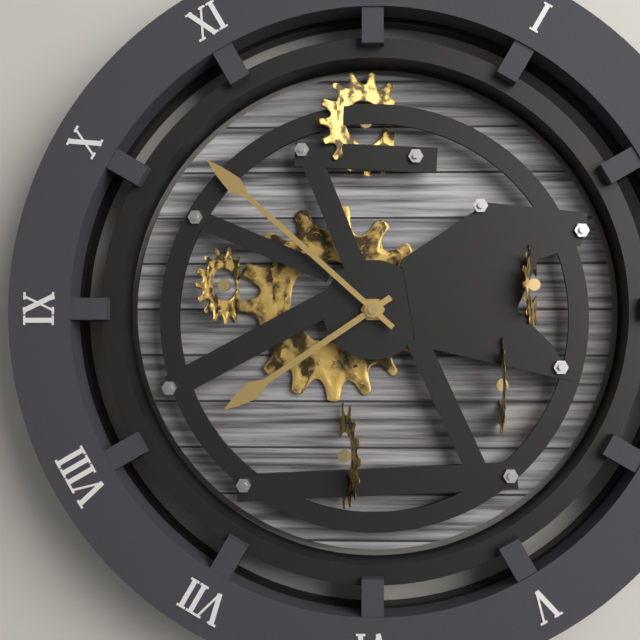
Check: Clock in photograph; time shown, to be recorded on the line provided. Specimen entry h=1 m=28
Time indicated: h=7 m=52
